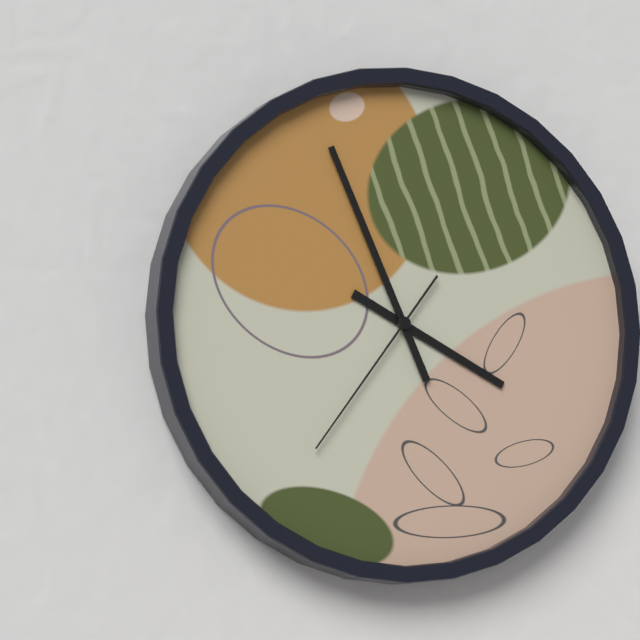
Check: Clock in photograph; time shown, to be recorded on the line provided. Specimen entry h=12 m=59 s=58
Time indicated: h=3 m=56 s=36
